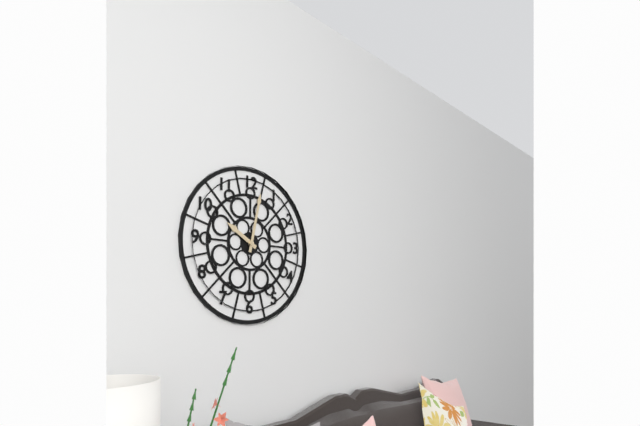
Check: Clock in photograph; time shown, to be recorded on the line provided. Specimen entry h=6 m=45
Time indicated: h=10 m=2
